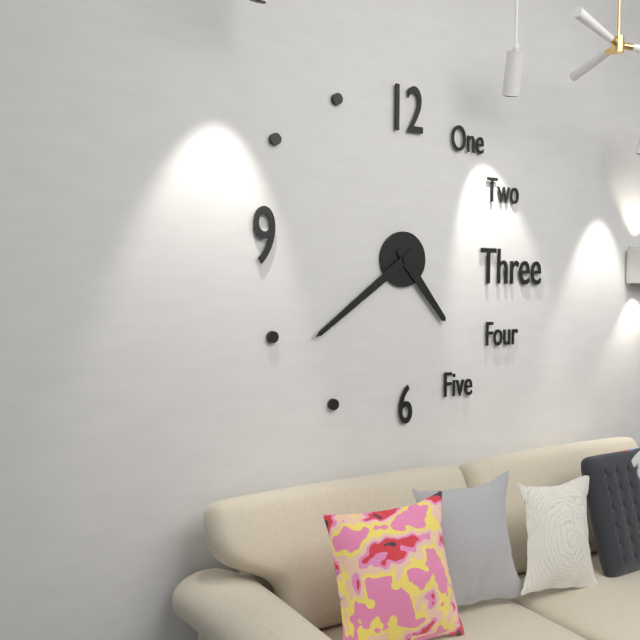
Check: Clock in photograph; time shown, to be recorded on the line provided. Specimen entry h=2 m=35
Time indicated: h=4 m=39
